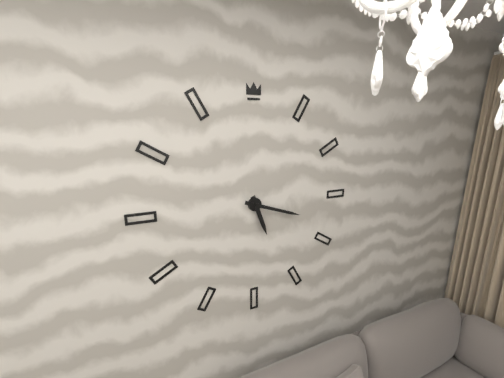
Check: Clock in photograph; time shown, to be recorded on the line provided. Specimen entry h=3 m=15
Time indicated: h=5 m=18
